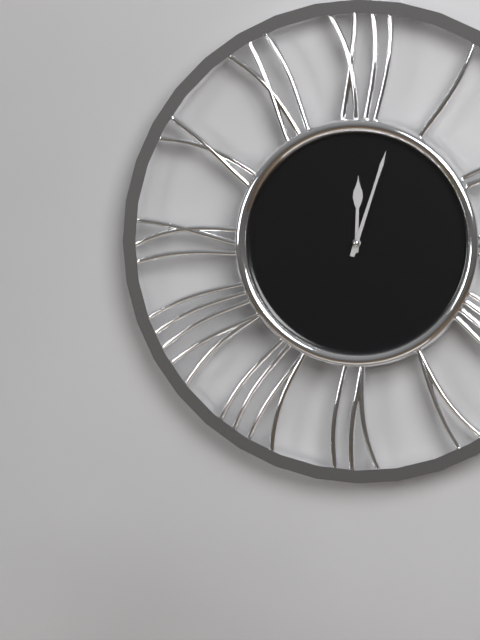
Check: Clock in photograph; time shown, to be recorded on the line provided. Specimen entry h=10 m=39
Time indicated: h=12 m=3
